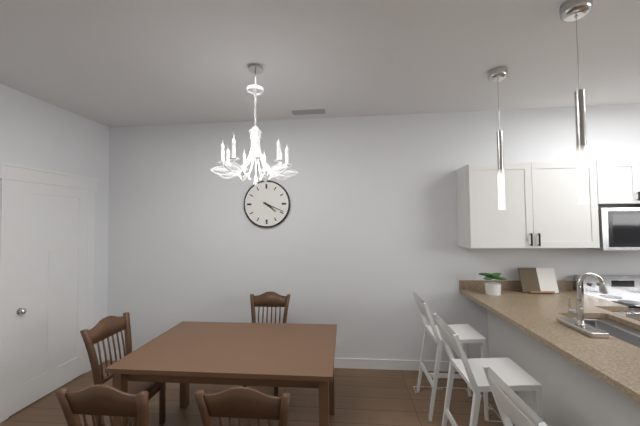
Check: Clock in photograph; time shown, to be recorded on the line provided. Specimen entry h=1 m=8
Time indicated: h=4 m=19
